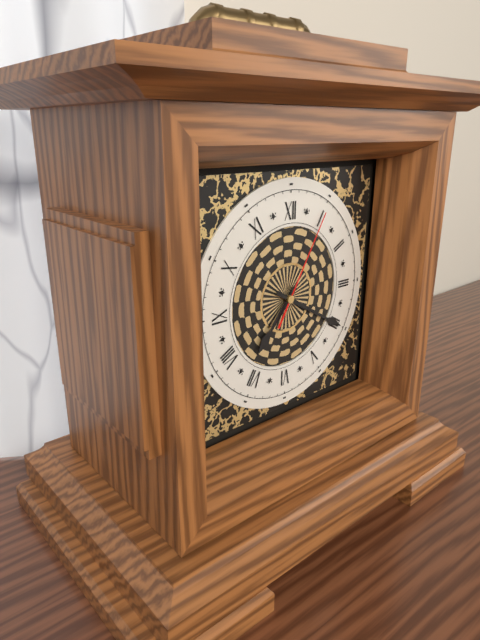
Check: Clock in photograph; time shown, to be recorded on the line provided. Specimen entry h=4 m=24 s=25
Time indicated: h=7 m=20 s=5
